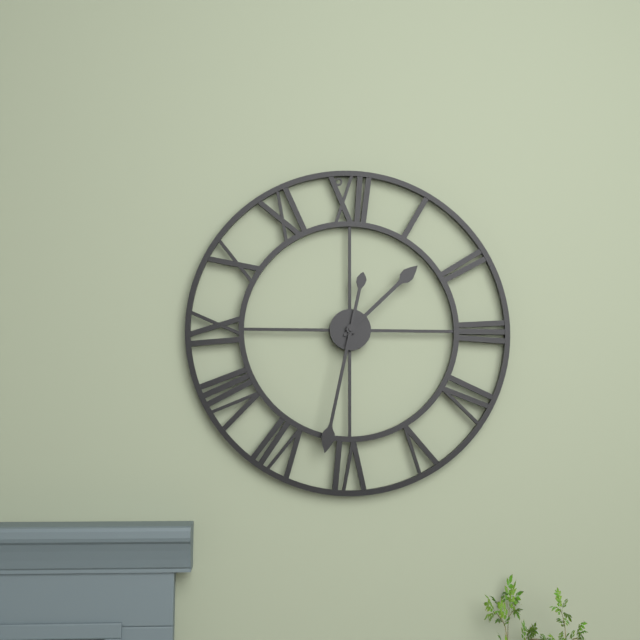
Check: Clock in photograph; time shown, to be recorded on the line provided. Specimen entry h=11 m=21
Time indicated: h=1 m=32
